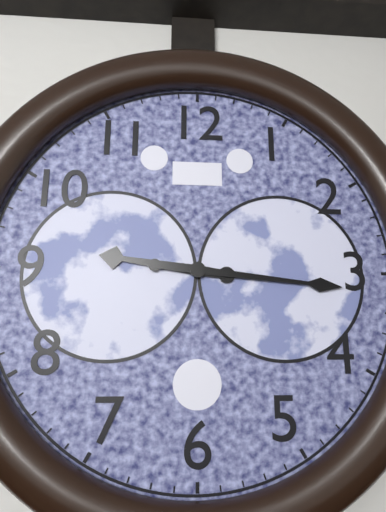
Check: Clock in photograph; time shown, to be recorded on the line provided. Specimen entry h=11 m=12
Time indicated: h=9 m=16
